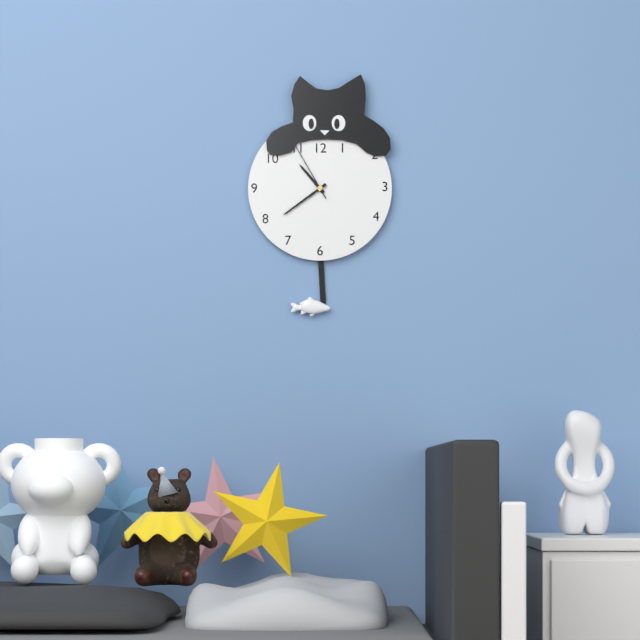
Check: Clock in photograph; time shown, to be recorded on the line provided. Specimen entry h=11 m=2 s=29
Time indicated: h=10 m=39 s=55
